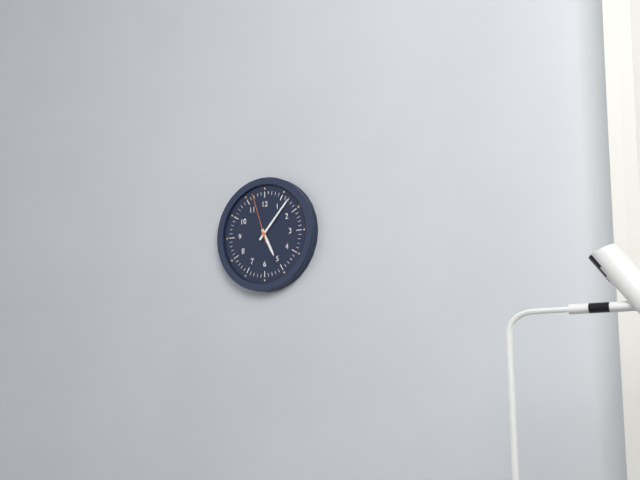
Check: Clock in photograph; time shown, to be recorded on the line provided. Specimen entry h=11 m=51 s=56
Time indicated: h=5 m=7 s=57
